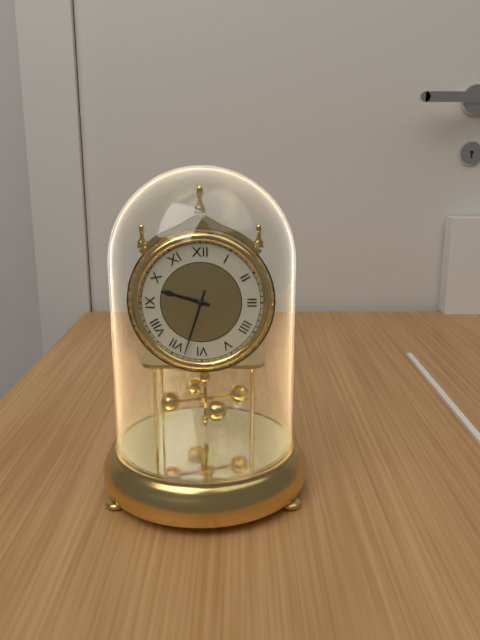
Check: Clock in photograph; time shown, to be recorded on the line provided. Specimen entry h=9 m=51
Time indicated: h=9 m=33
